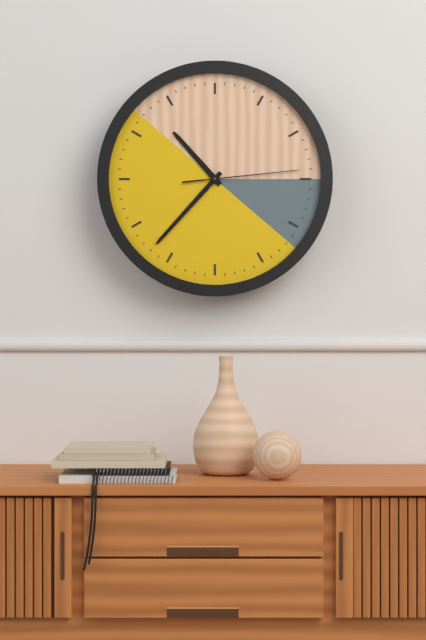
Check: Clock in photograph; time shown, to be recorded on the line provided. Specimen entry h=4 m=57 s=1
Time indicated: h=10 m=37 s=14
